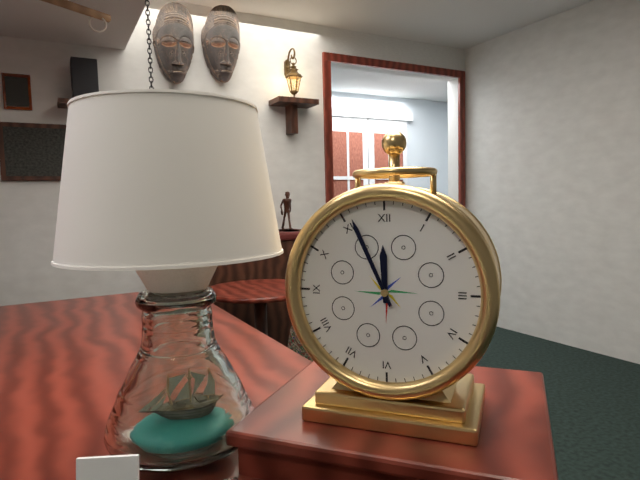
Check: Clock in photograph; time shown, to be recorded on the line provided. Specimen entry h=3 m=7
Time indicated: h=11 m=56
